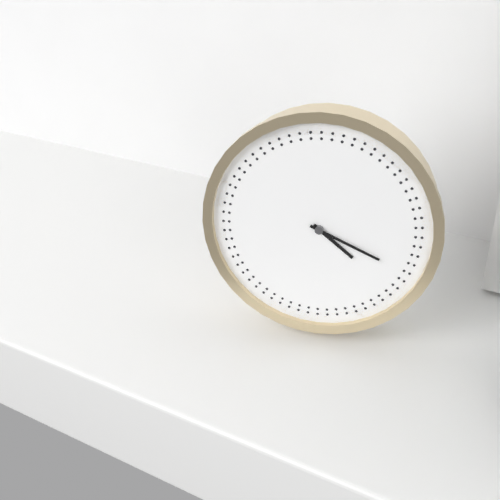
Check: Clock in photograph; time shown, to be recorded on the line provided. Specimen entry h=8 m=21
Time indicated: h=4 m=19
